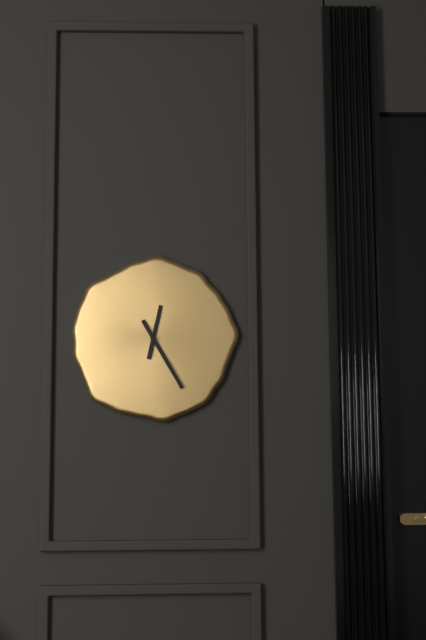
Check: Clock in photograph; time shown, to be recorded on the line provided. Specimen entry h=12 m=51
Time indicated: h=12 m=25
